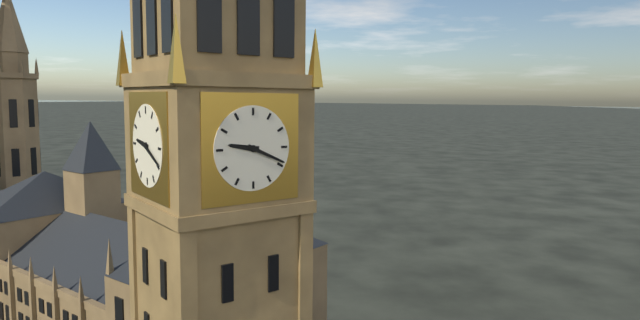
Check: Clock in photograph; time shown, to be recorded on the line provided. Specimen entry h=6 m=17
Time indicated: h=9 m=19
